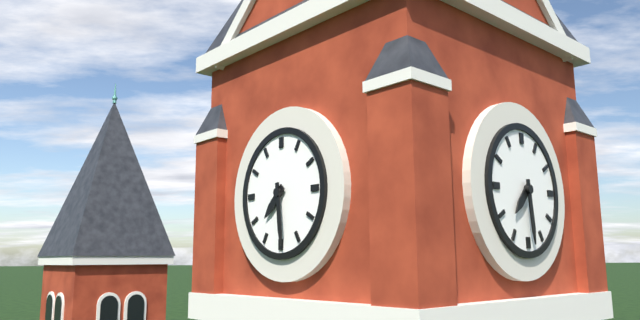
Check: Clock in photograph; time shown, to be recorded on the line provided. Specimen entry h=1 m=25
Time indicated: h=7 m=29
